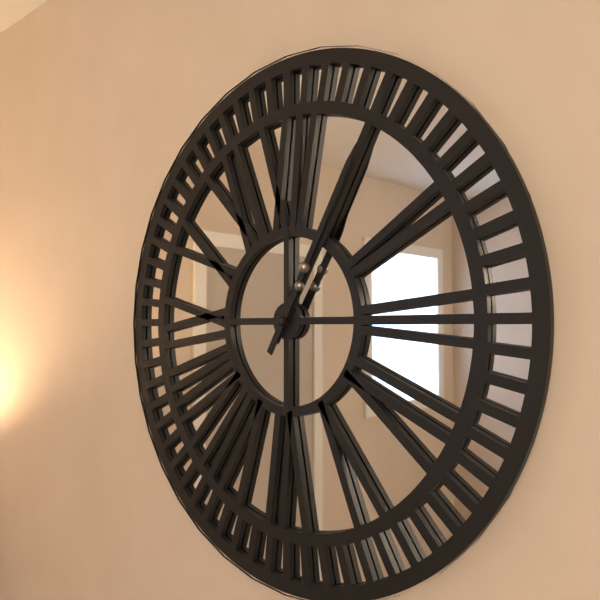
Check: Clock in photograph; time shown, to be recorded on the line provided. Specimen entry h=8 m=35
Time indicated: h=1 m=5
